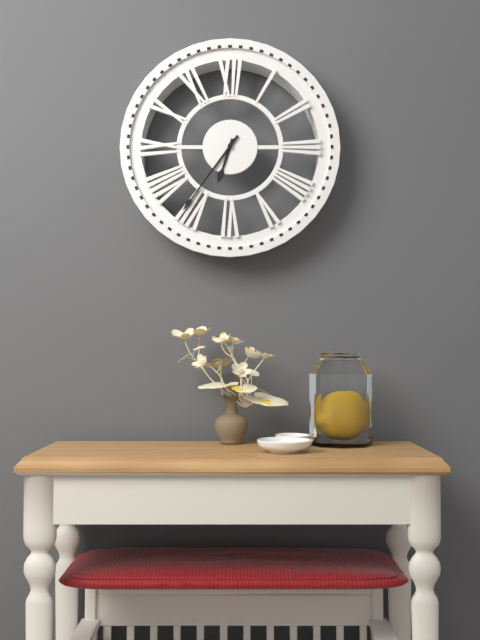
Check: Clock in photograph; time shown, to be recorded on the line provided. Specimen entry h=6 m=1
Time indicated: h=6 m=36
